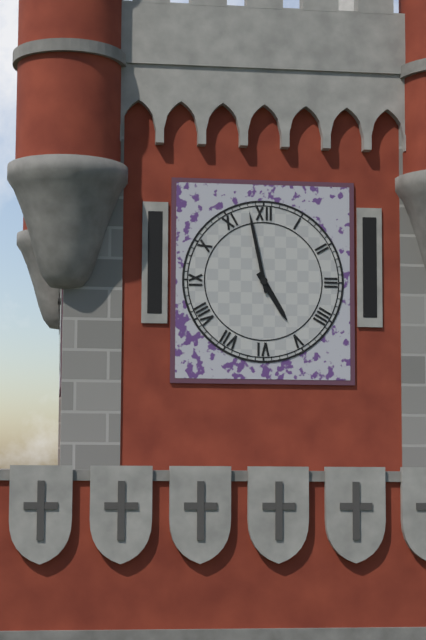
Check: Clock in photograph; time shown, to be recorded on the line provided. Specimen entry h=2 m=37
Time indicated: h=4 m=58
